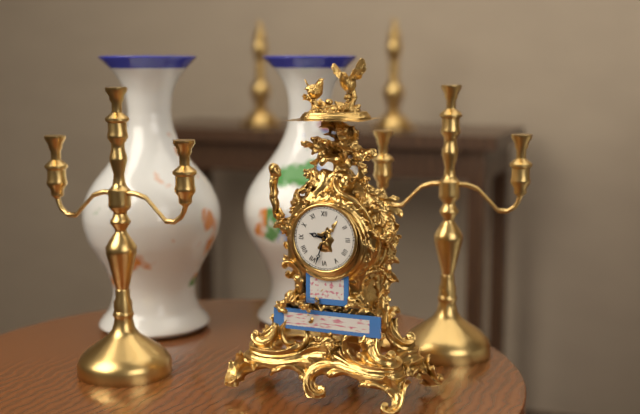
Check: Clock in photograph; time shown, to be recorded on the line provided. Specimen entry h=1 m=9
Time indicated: h=9 m=33
